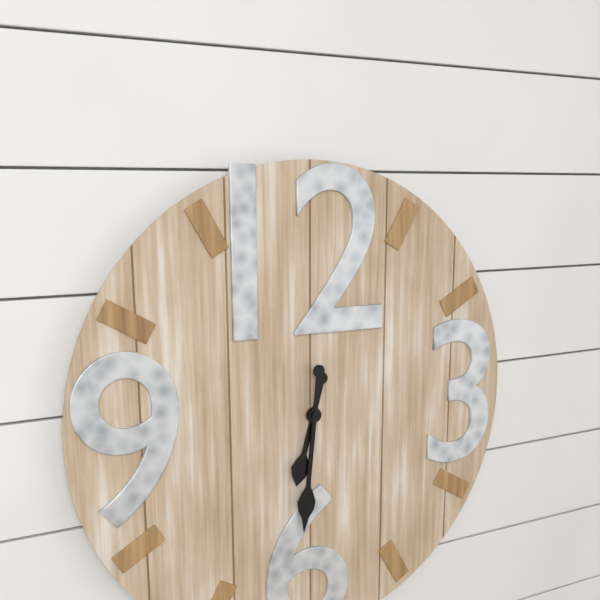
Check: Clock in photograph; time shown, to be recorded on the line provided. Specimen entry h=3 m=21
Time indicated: h=6 m=31
